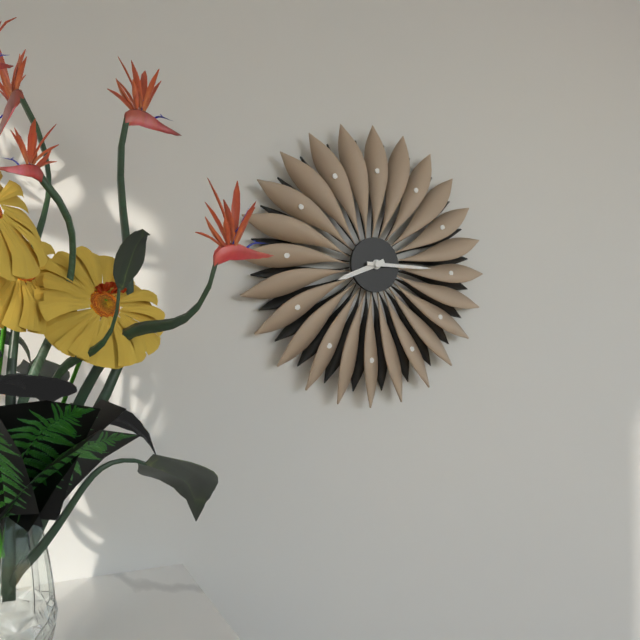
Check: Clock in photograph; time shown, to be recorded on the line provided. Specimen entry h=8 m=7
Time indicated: h=8 m=15
